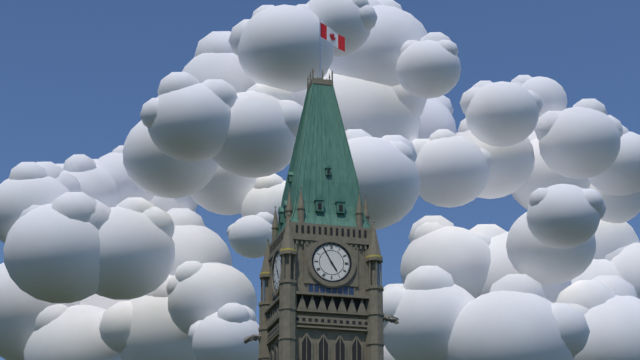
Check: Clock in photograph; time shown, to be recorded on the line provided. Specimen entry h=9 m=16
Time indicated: h=4 m=55
